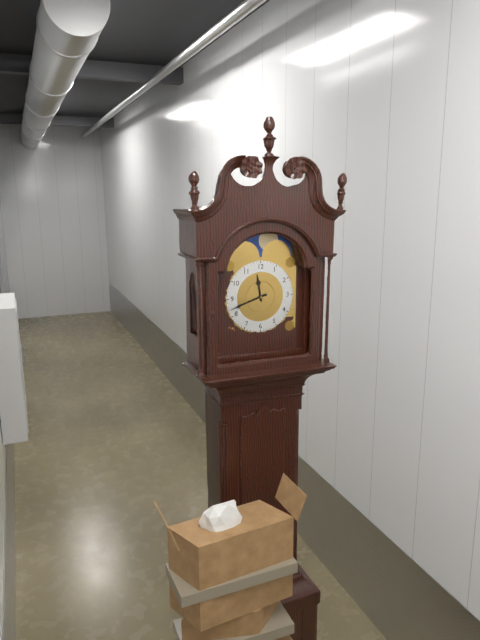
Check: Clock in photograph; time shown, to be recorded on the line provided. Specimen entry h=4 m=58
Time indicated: h=11 m=42
